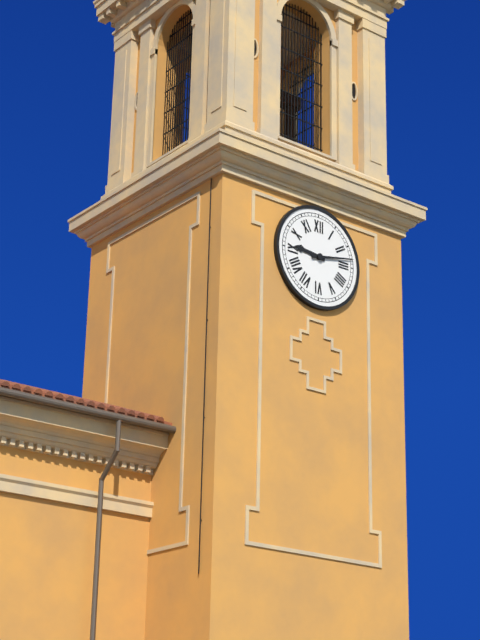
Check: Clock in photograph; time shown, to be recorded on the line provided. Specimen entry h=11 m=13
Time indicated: h=9 m=13
